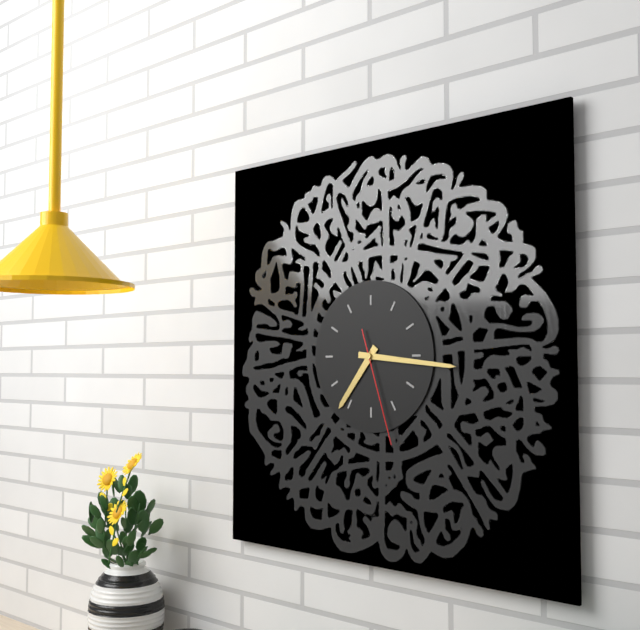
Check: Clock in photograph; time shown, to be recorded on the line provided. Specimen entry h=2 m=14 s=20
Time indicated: h=7 m=16 s=27
